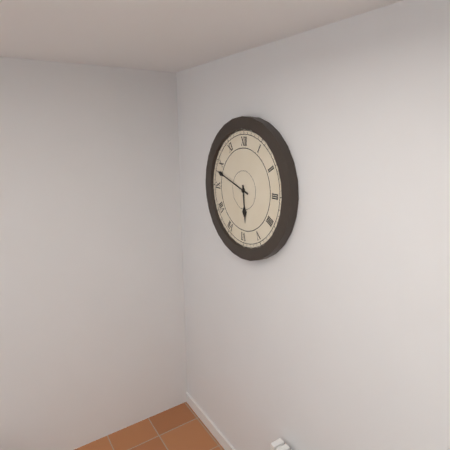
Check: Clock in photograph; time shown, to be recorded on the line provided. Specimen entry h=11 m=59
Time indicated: h=5 m=48
